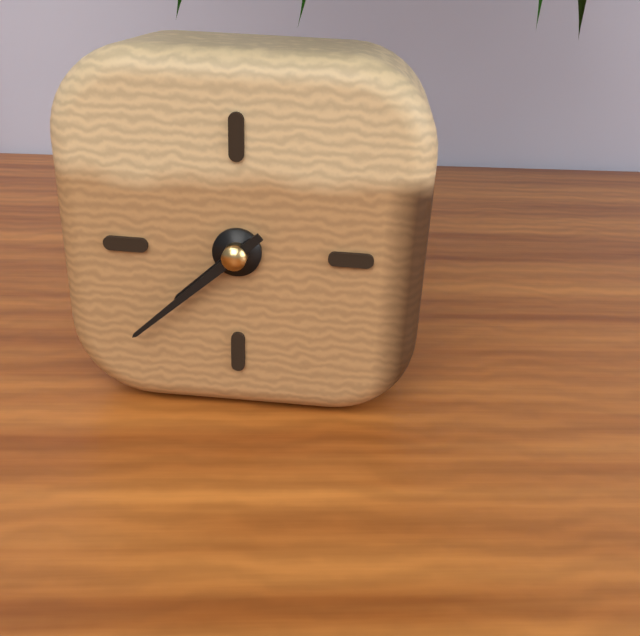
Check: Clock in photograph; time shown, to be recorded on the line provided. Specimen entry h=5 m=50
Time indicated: h=7 m=38
